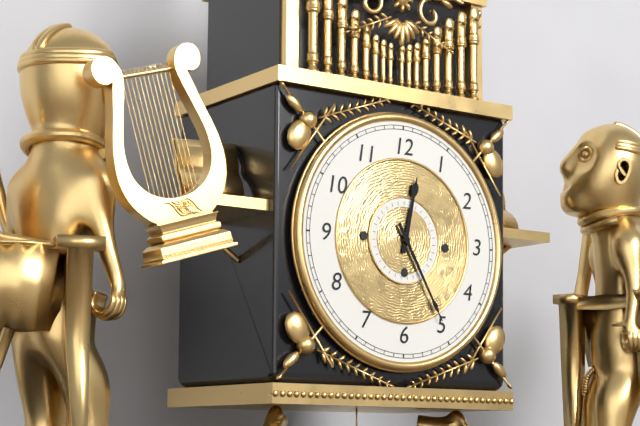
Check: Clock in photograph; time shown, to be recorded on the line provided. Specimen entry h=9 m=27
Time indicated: h=12 m=25
